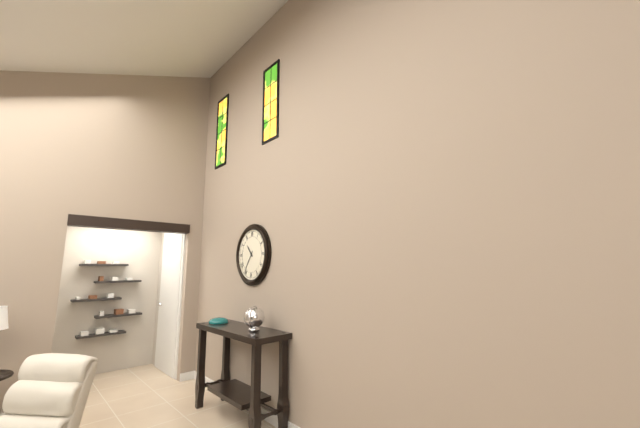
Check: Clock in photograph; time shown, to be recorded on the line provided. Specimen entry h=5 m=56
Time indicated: h=10 m=36
